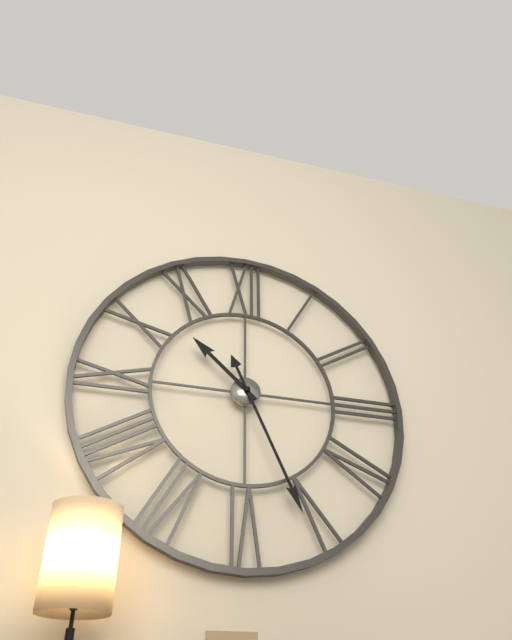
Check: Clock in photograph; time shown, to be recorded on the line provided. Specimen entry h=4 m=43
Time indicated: h=10 m=26
